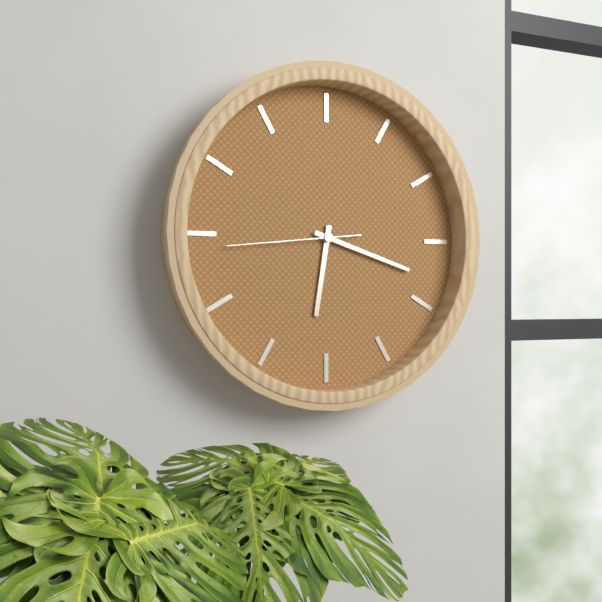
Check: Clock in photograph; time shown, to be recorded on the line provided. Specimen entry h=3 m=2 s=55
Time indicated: h=6 m=18 s=44
